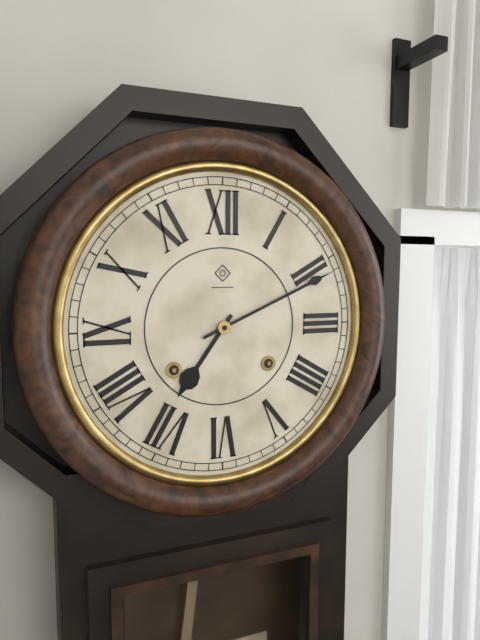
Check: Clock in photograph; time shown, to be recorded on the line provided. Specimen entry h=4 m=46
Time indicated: h=7 m=11
